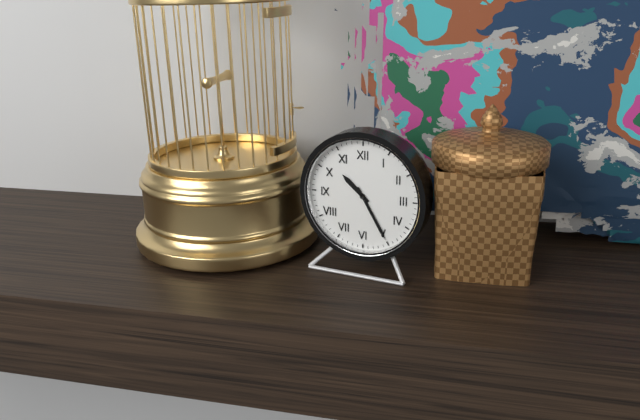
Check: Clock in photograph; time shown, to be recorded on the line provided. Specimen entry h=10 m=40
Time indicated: h=10 m=25
